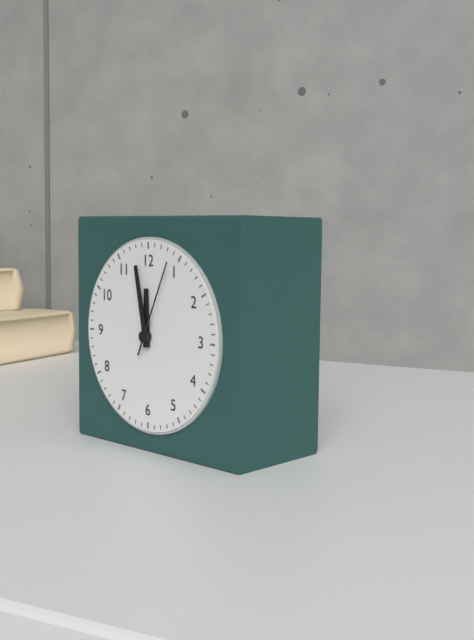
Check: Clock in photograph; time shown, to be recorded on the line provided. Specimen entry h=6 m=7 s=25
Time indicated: h=11 m=58 s=4
